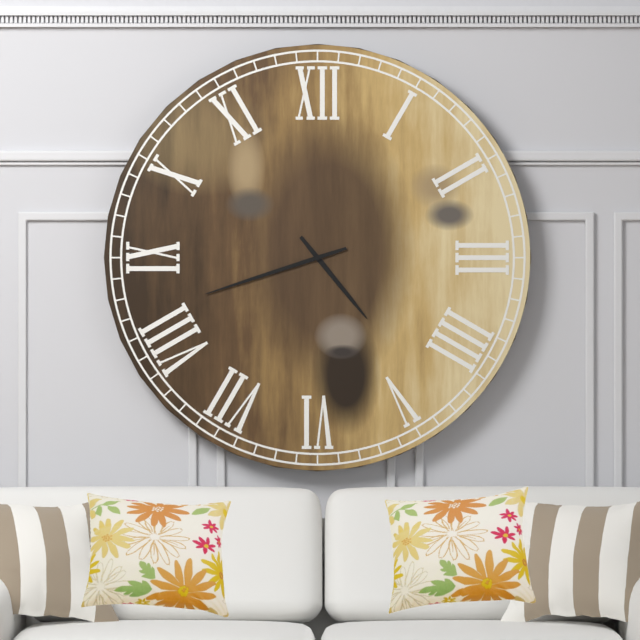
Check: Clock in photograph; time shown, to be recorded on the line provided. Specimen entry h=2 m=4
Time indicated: h=4 m=42
